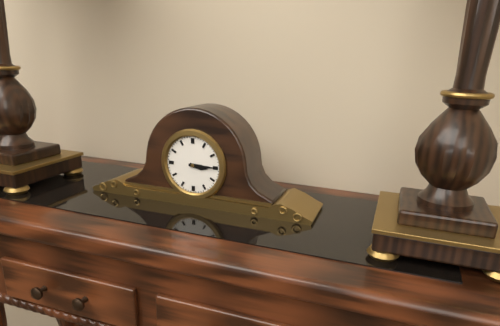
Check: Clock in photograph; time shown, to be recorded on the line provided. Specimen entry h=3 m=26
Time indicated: h=3 m=15
